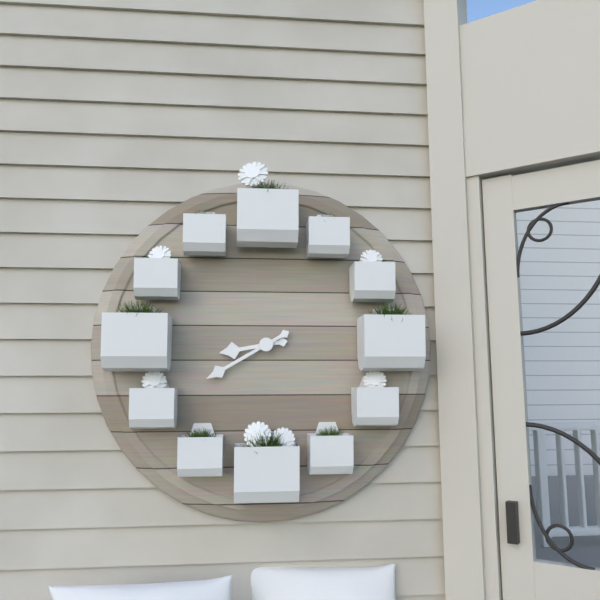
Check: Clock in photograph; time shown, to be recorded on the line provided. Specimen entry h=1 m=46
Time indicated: h=8 m=40
